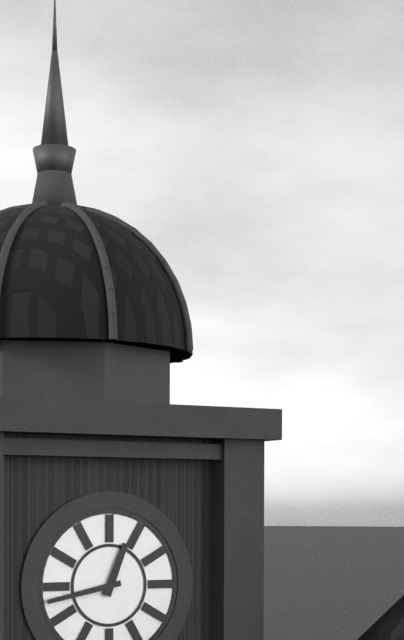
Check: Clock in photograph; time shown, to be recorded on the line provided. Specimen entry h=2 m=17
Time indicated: h=12 m=43
